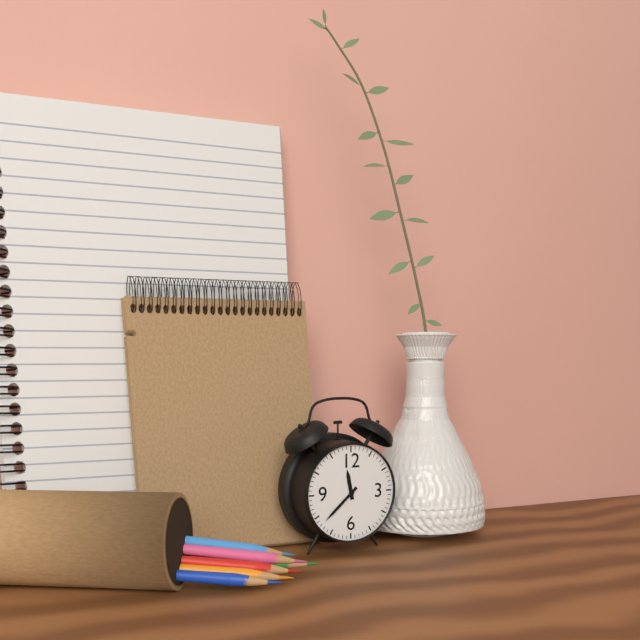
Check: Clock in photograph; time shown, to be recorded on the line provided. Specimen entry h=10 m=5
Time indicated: h=11 m=38
